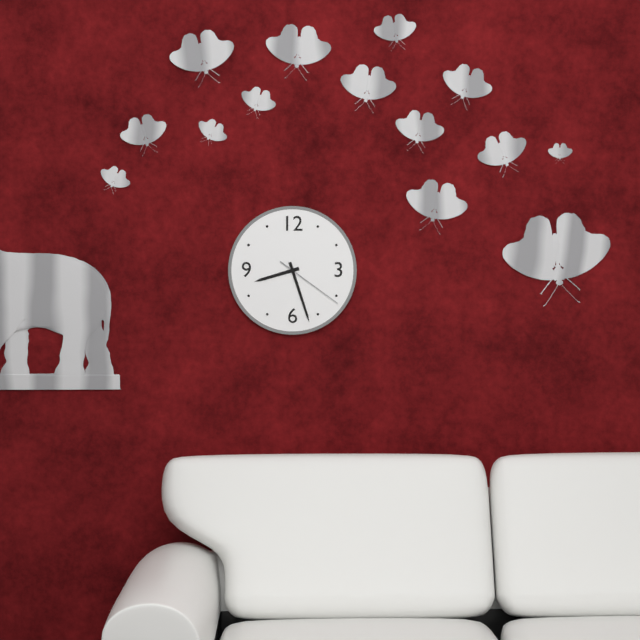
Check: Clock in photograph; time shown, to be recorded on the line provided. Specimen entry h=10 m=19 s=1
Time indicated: h=8 m=27 s=21
